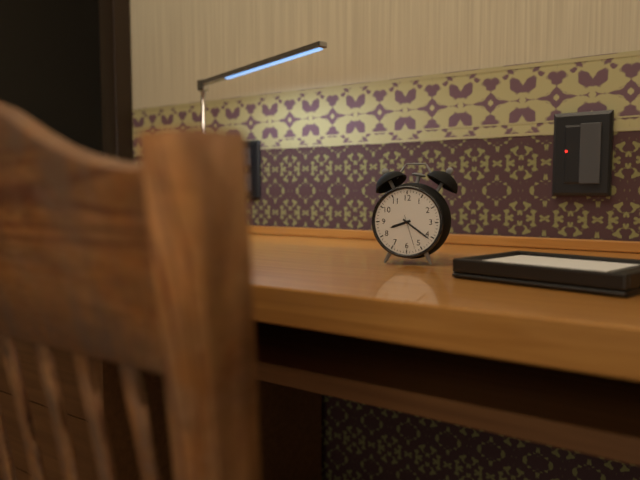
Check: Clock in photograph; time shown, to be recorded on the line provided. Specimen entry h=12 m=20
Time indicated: h=8 m=21
